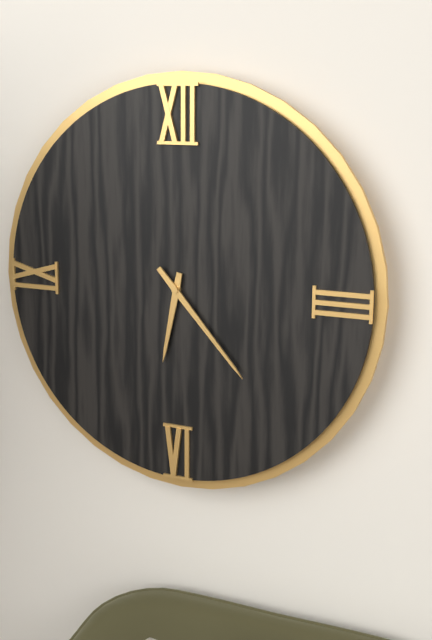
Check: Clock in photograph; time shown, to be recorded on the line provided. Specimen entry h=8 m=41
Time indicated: h=6 m=23
